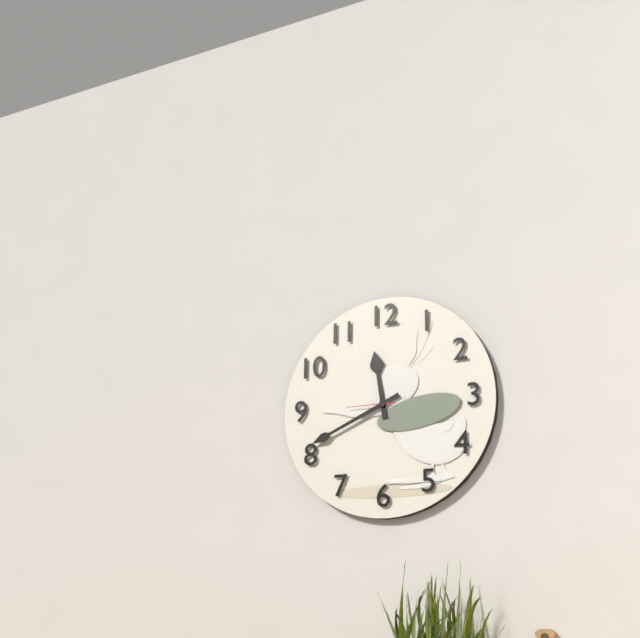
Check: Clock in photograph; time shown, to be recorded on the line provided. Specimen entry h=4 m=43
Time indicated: h=11 m=41
